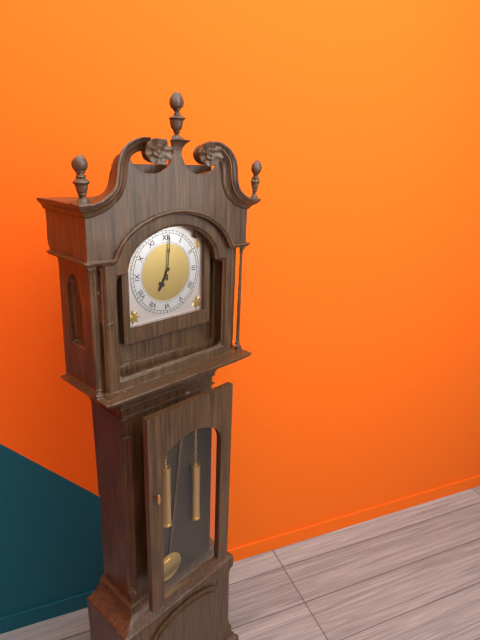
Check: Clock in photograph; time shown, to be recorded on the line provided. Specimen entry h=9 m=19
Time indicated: h=7 m=1
